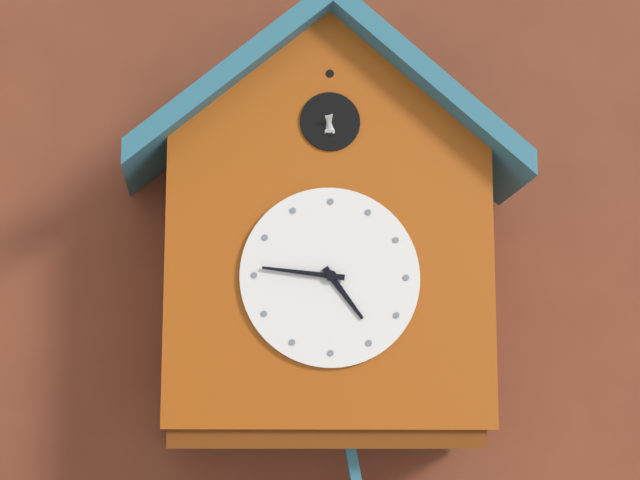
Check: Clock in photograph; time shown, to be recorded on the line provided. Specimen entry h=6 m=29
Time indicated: h=4 m=46
